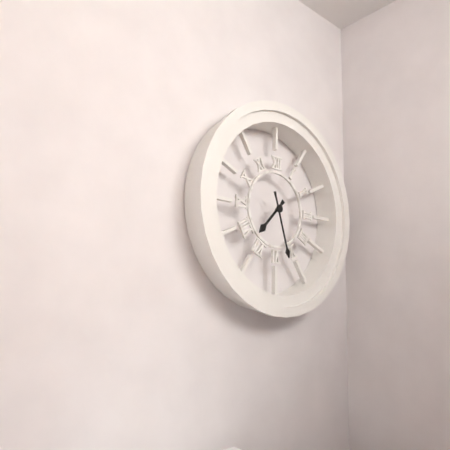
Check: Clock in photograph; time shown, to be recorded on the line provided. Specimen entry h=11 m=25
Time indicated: h=7 m=27
